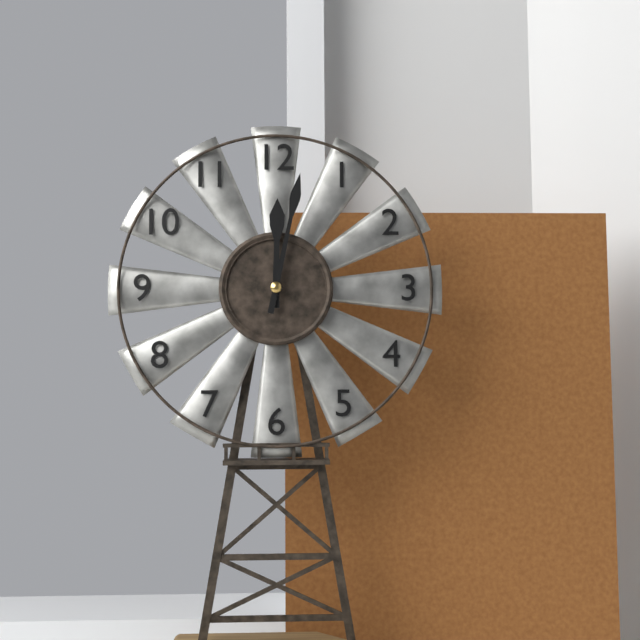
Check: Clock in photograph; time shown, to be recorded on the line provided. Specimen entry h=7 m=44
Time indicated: h=12 m=2
